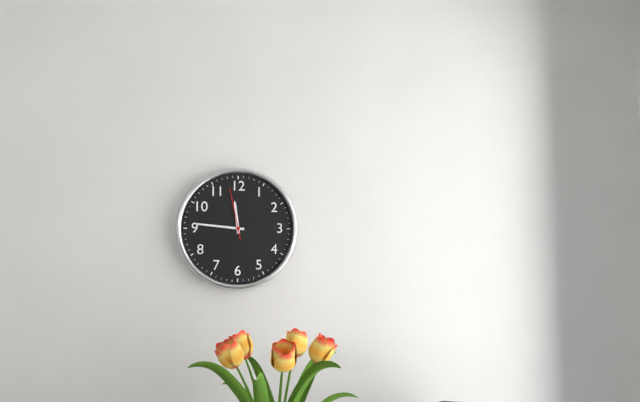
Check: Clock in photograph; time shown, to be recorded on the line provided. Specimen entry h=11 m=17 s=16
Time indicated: h=11 m=46 s=58
